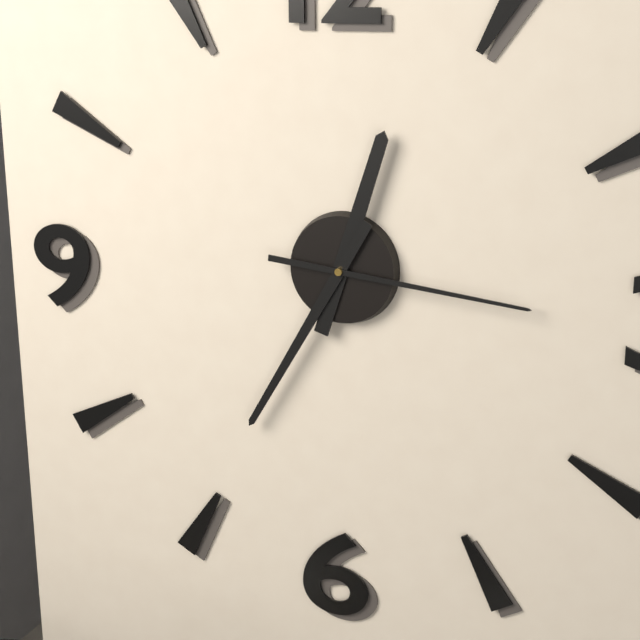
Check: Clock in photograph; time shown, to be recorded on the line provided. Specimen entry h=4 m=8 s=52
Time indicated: h=12 m=35 s=16
